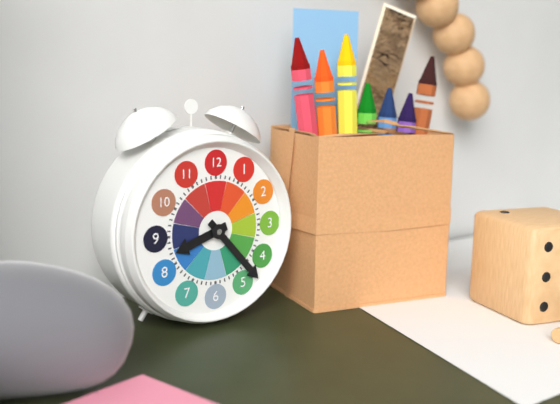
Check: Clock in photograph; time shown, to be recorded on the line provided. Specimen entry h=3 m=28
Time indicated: h=8 m=23
